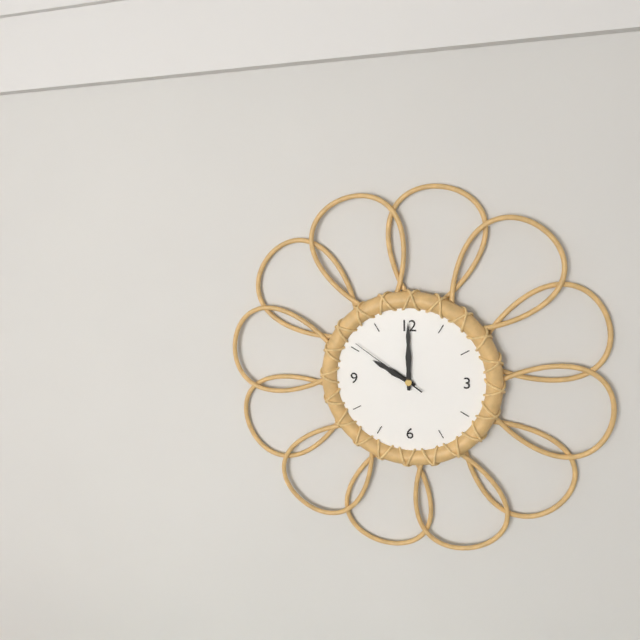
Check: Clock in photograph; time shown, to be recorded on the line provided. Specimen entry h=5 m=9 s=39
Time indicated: h=10 m=0 s=51
